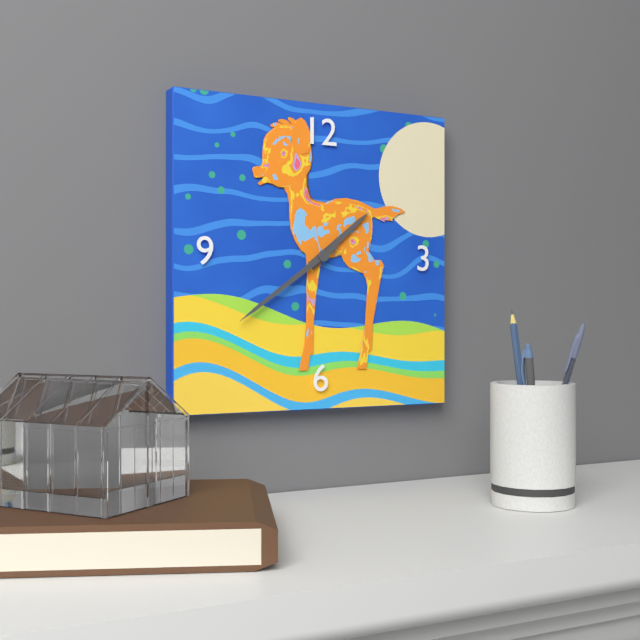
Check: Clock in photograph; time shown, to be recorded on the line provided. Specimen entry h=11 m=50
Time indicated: h=1 m=39
